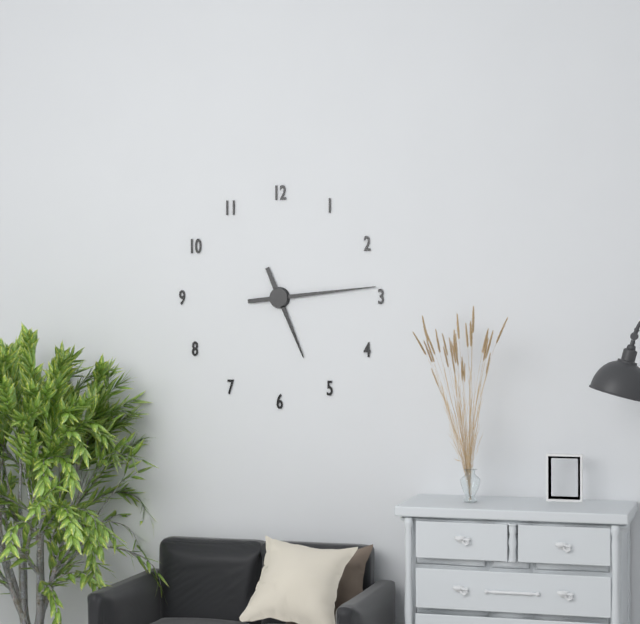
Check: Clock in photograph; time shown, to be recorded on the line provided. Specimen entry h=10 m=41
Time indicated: h=5 m=14
